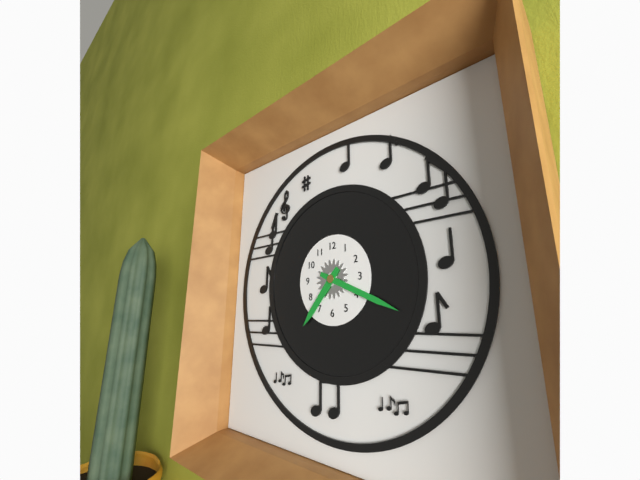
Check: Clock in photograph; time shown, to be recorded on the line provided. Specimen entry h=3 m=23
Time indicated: h=7 m=19
